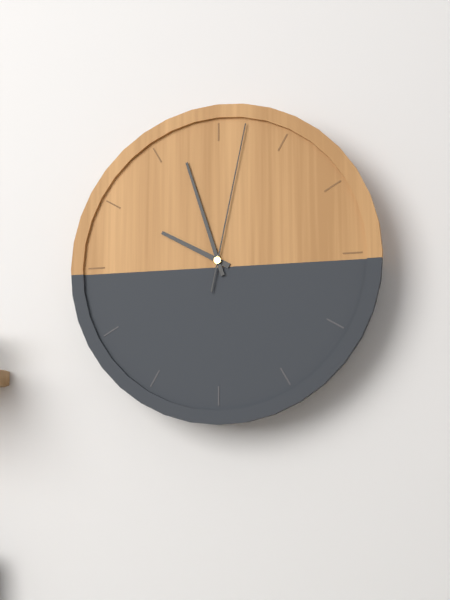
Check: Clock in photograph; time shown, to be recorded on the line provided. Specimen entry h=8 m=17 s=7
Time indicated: h=9 m=57 s=2
